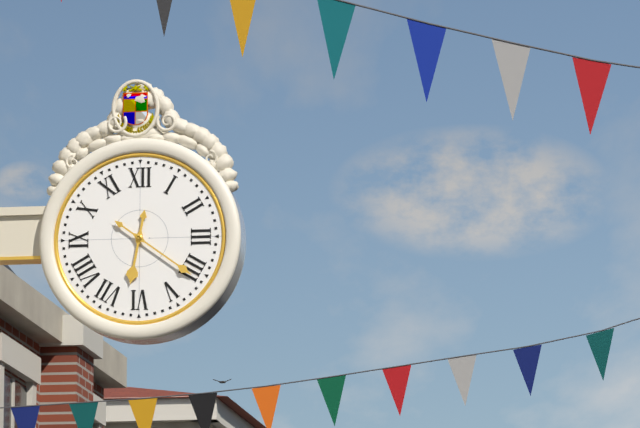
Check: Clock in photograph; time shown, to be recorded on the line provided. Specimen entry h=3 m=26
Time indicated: h=6 m=21
